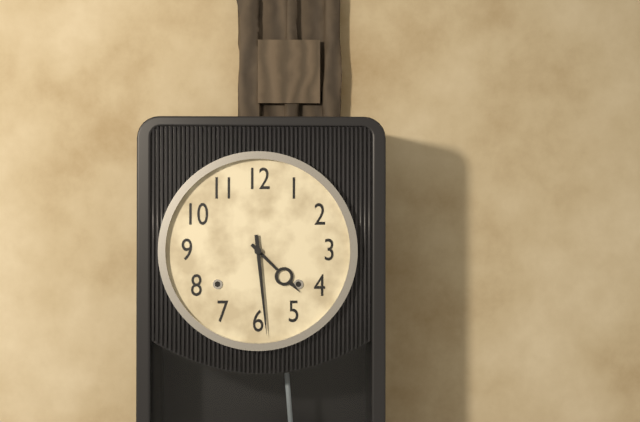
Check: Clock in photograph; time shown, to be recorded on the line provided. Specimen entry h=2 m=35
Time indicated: h=4 m=29
